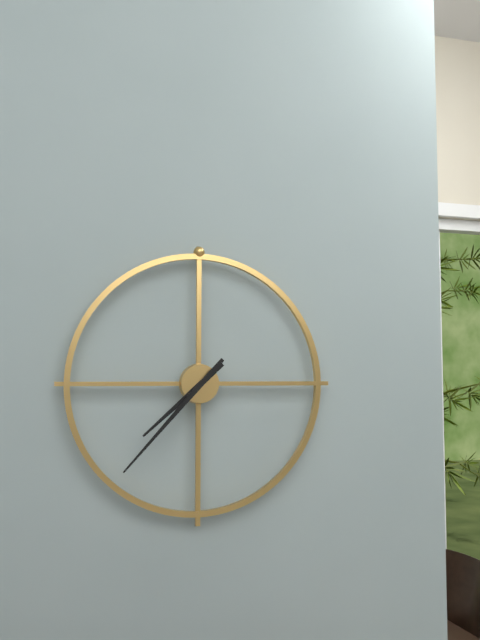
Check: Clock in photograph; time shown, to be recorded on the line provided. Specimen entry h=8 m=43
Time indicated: h=7 m=37
